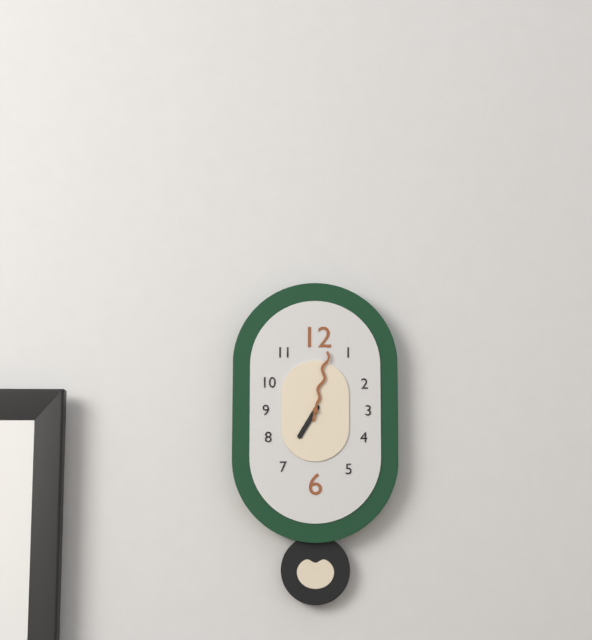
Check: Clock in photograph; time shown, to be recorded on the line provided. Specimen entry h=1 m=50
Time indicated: h=7 m=2
